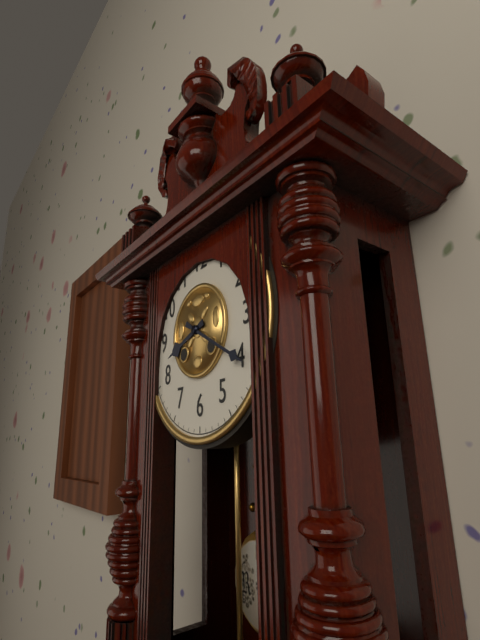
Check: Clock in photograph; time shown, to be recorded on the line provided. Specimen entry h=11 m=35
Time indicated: h=8 m=20
